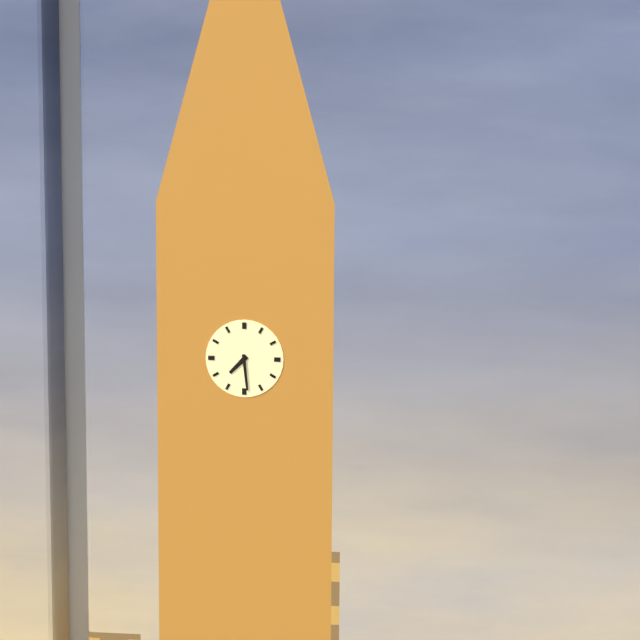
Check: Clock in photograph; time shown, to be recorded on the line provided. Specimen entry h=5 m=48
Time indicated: h=7 m=29
